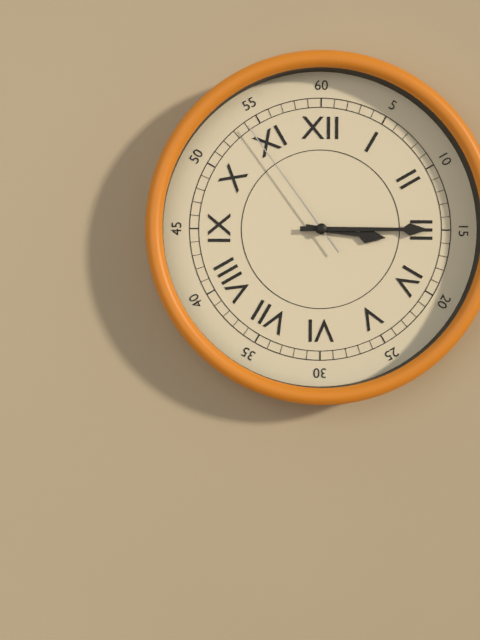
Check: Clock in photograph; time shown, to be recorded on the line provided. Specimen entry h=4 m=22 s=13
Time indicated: h=3 m=15 s=54
